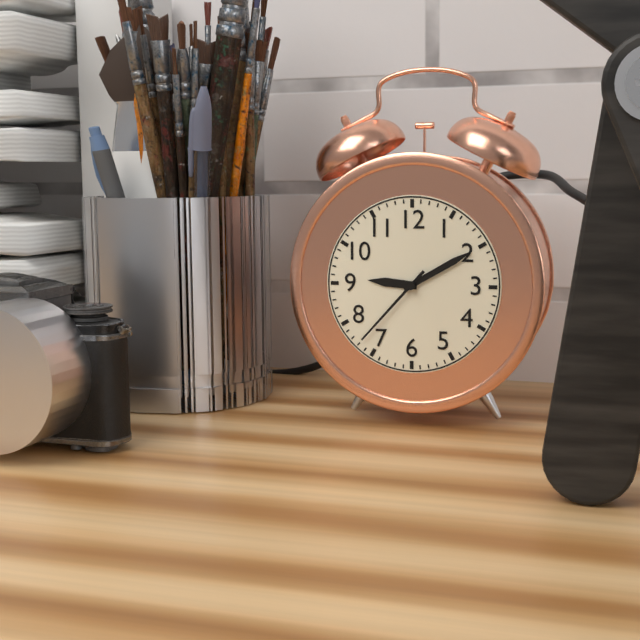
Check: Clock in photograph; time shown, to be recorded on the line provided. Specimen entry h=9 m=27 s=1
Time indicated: h=9 m=10 s=37
